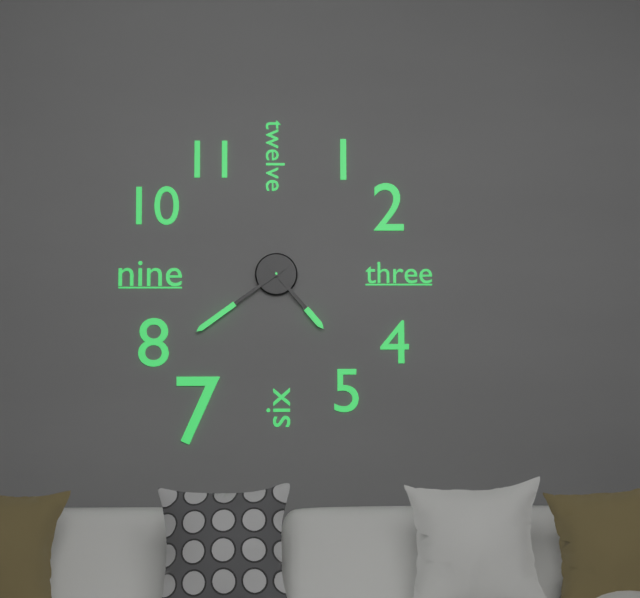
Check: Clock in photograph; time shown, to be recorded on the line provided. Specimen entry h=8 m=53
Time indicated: h=4 m=39
